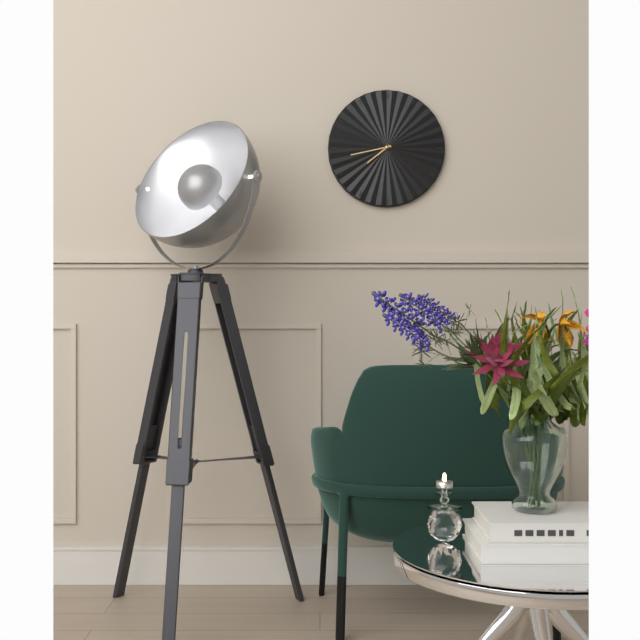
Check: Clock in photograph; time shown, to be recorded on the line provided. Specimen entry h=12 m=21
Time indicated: h=7 m=43
